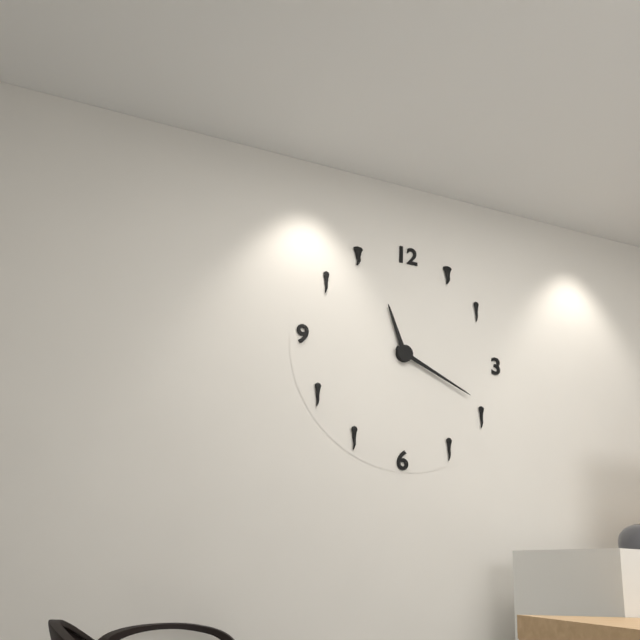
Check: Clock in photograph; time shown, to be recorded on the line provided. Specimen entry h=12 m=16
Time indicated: h=11 m=19
